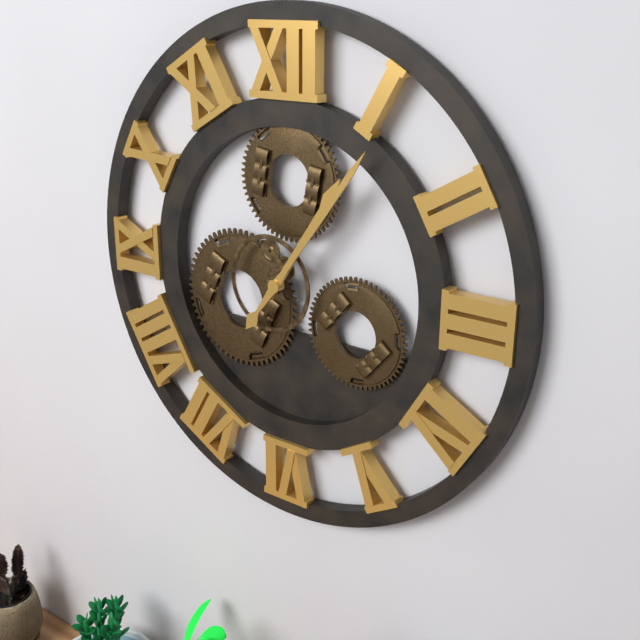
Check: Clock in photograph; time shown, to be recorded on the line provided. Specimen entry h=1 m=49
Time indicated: h=1 m=6
